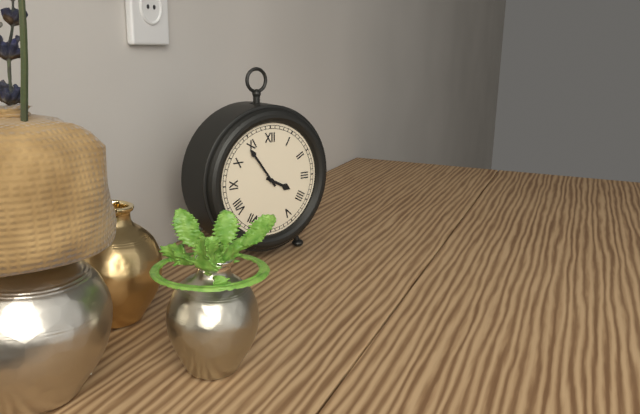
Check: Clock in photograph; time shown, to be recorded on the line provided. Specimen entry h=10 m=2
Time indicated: h=3 m=54
